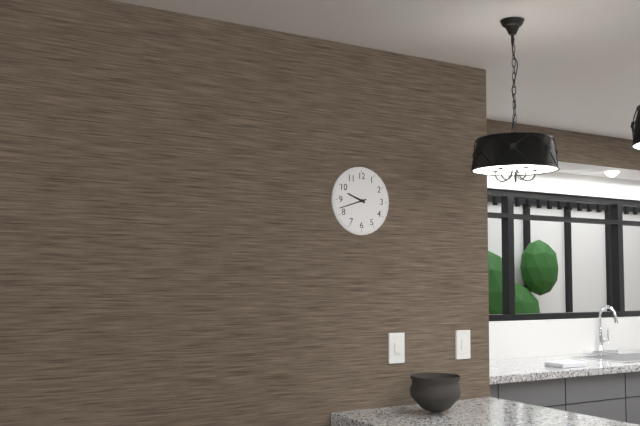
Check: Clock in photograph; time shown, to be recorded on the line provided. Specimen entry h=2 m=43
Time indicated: h=9 m=42
